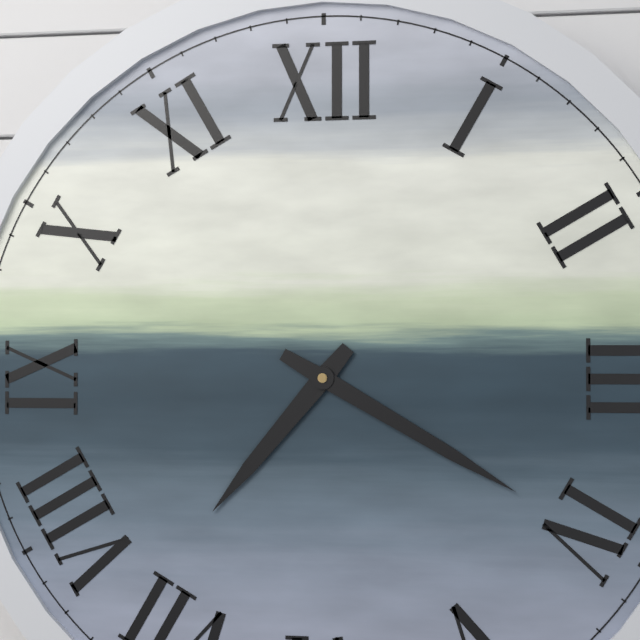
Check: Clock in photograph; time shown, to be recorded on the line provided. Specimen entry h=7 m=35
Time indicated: h=7 m=20
